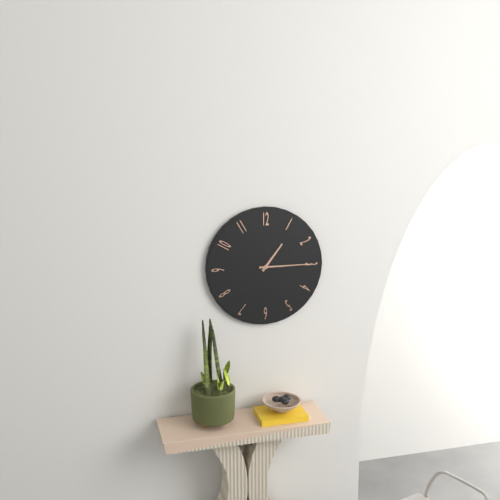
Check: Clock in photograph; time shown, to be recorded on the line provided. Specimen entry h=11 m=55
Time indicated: h=1 m=15
